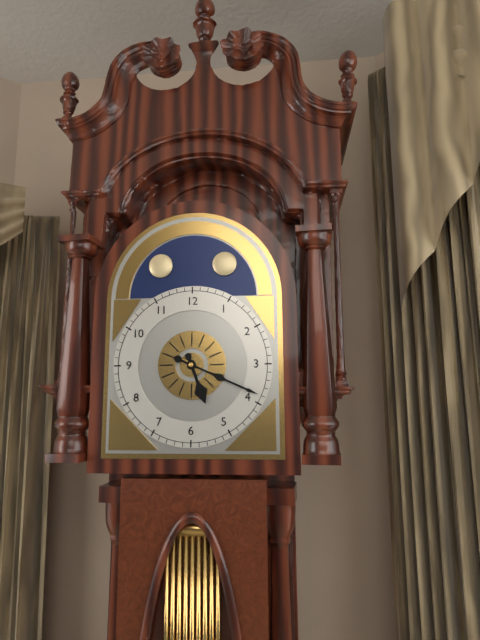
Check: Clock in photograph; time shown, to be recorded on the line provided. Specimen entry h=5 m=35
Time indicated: h=5 m=19
